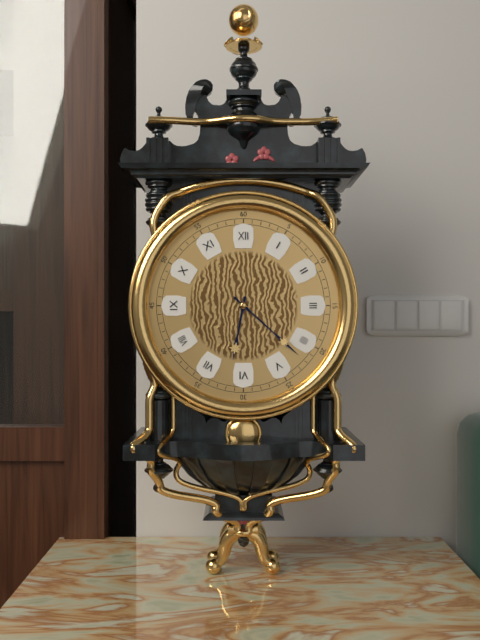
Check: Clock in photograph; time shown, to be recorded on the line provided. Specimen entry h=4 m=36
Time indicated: h=6 m=22
